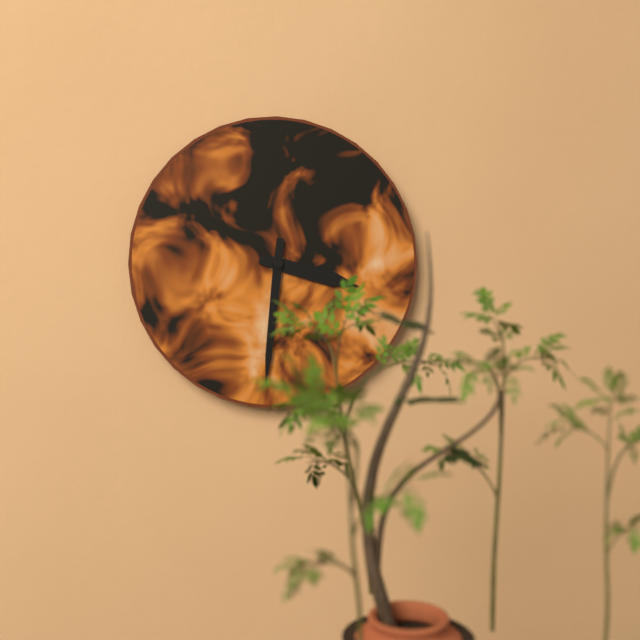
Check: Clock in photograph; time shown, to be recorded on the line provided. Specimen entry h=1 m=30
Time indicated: h=3 m=31
